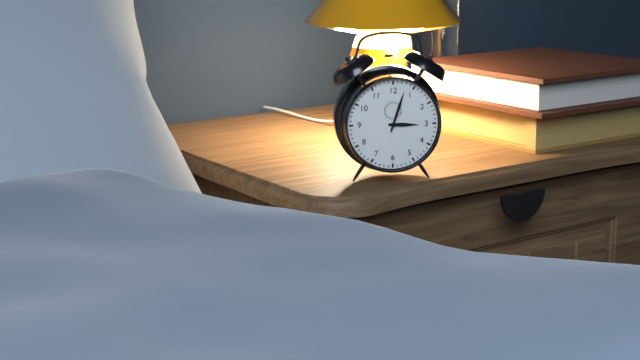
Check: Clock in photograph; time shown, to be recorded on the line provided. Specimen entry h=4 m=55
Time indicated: h=3 m=3
